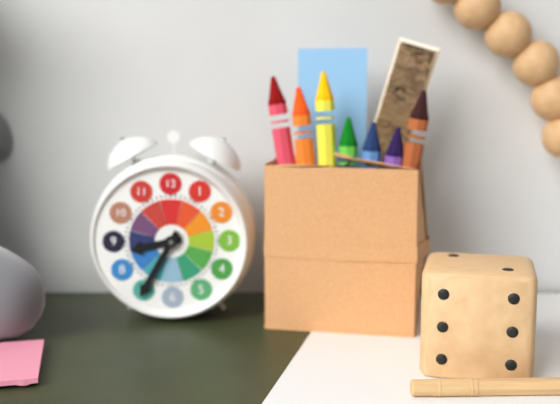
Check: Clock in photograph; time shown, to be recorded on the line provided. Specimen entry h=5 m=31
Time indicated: h=8 m=35
